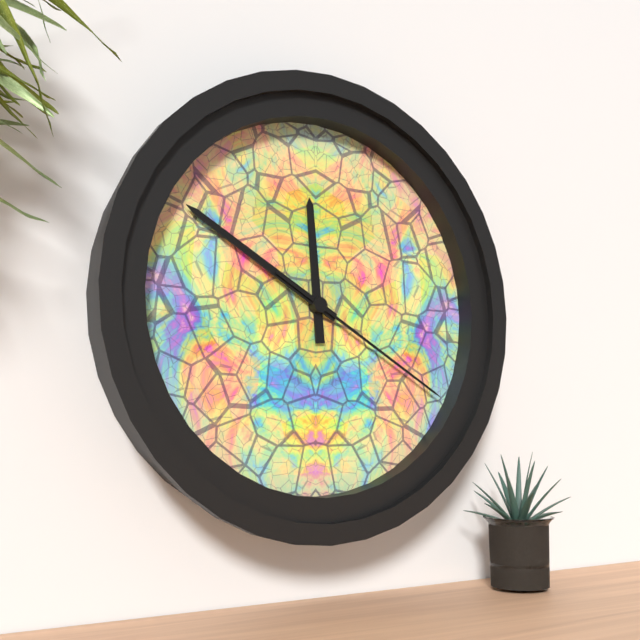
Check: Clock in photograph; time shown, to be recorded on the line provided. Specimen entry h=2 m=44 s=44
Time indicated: h=11 m=50 s=20
